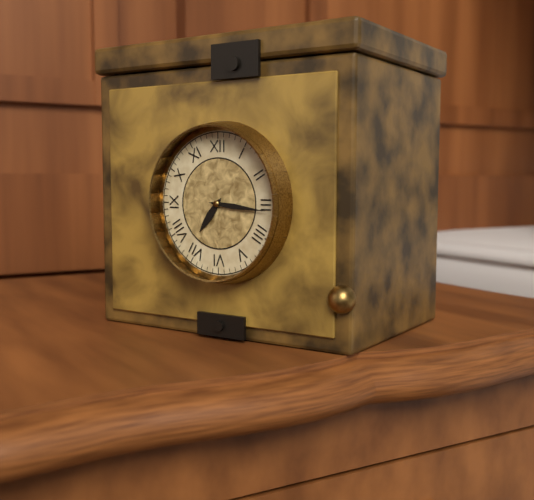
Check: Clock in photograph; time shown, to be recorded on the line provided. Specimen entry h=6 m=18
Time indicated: h=7 m=16
